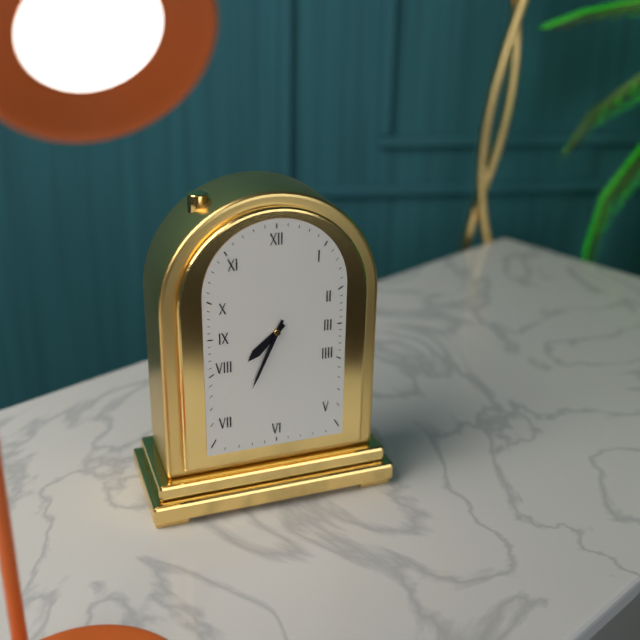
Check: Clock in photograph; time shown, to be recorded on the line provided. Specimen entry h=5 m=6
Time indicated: h=7 m=34
